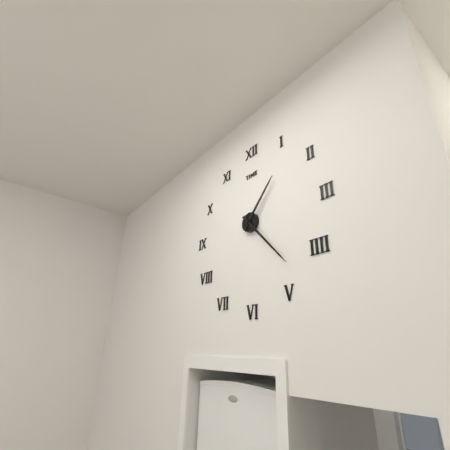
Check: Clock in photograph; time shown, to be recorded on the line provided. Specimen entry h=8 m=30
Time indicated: h=1 m=23
